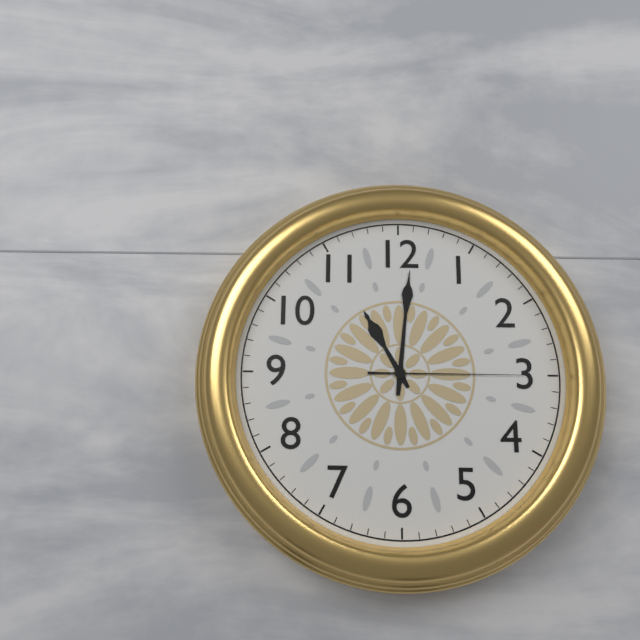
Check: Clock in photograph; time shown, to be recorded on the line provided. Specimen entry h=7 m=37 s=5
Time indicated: h=11 m=1 s=15
